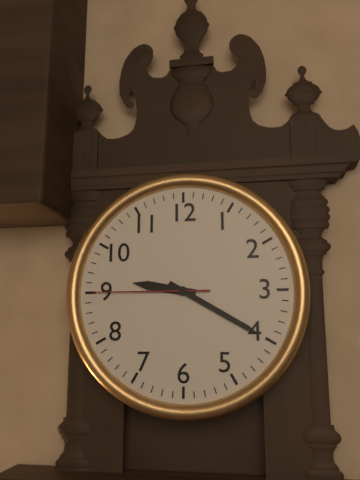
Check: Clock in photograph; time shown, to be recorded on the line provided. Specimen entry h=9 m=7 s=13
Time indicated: h=9 m=20 s=45
